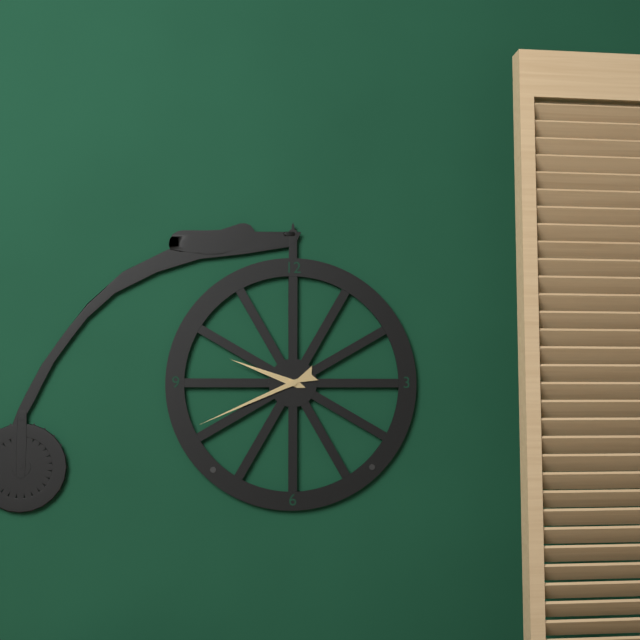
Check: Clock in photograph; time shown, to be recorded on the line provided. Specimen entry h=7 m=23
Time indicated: h=9 m=41
